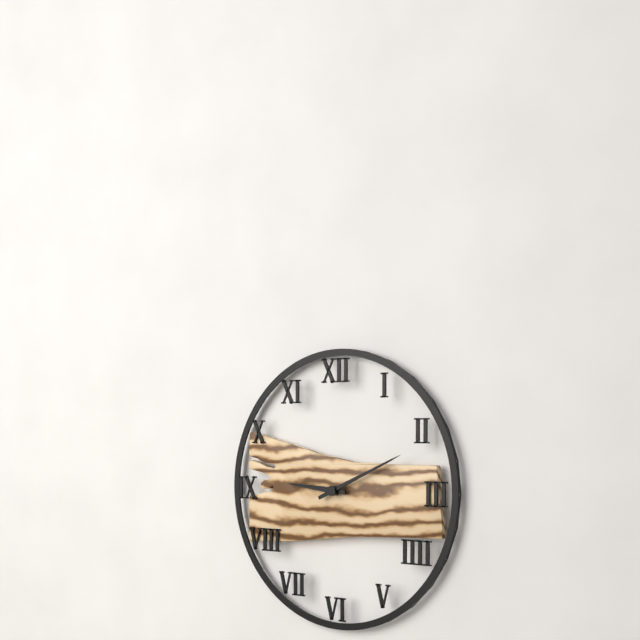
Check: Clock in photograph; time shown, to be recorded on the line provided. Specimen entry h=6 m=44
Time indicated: h=9 m=11
